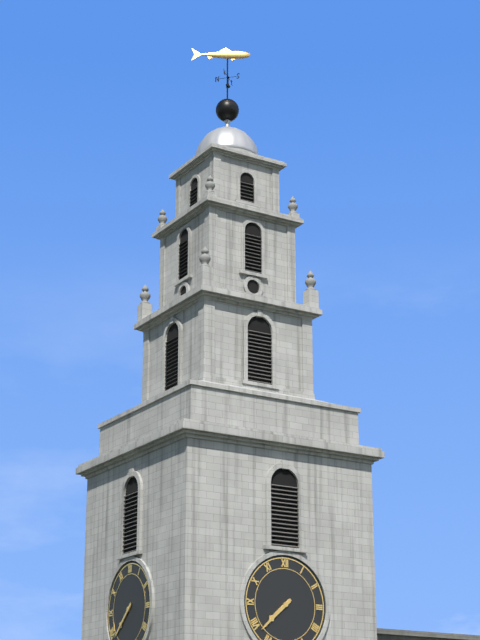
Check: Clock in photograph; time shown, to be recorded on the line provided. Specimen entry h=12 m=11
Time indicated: h=7 m=38
